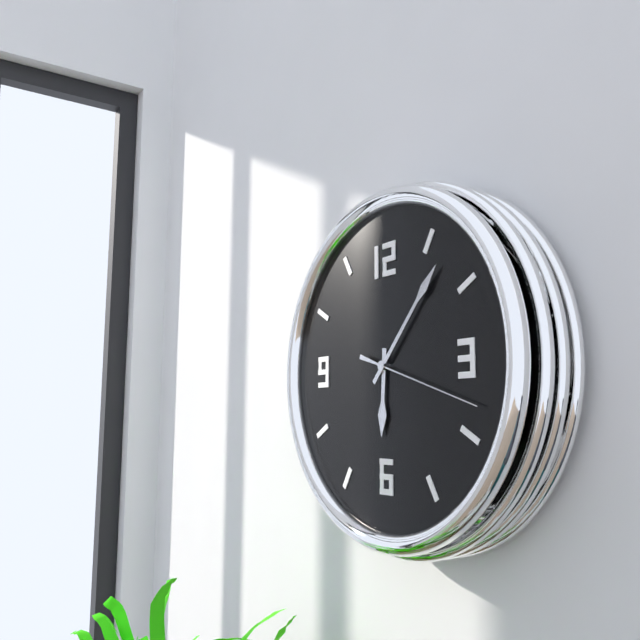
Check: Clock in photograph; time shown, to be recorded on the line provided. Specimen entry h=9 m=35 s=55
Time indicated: h=6 m=7 s=18
